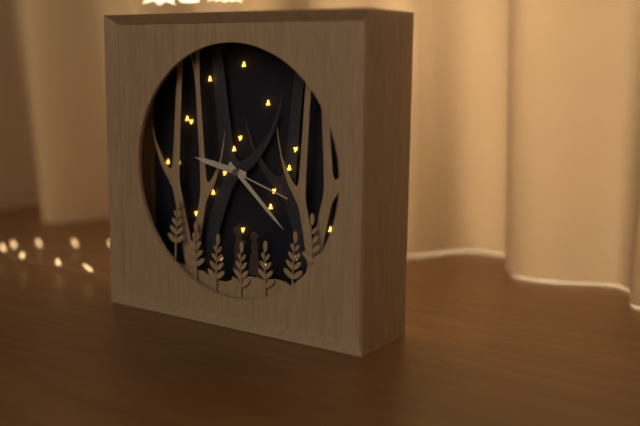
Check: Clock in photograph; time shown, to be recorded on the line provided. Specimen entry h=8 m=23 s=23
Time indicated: h=9 m=22 s=18
